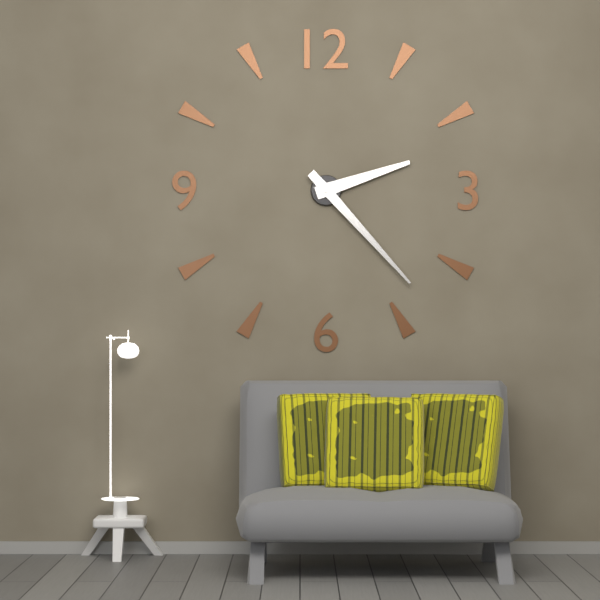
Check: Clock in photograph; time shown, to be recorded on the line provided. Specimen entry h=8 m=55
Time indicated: h=2 m=23
